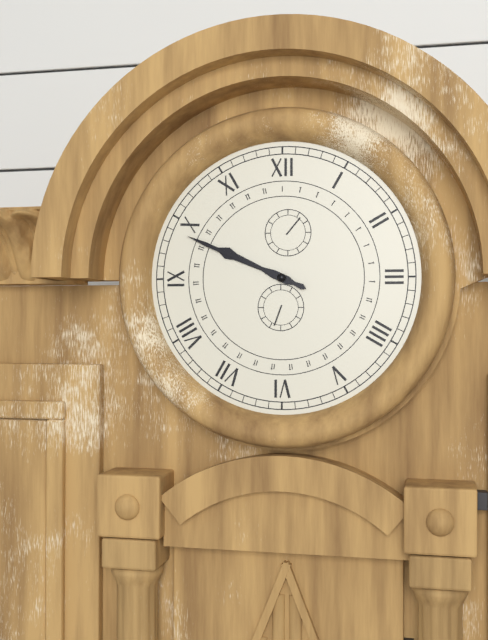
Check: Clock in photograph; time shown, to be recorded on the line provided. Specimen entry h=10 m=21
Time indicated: h=9 m=49
